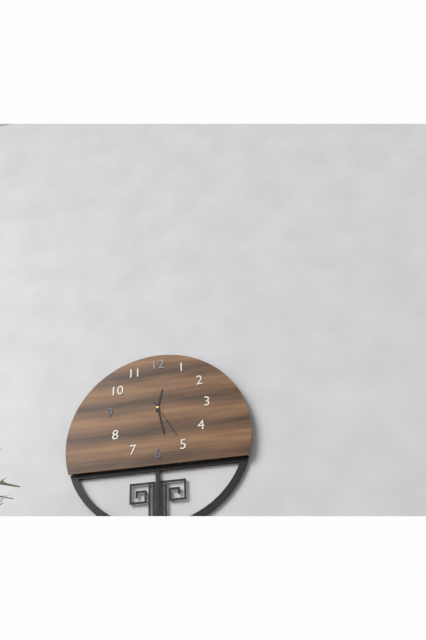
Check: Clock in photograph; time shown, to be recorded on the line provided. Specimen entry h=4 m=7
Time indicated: h=12 m=28
